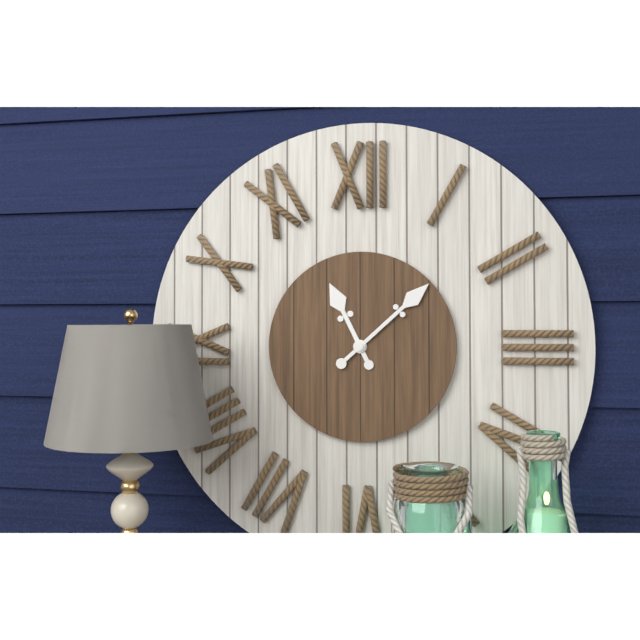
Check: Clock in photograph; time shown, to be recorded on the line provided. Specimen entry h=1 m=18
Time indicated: h=11 m=8
